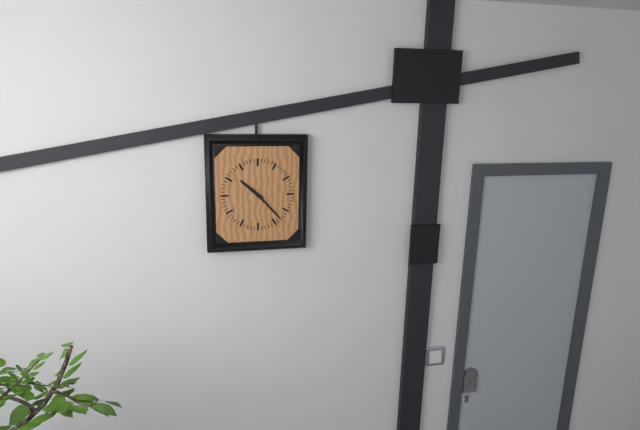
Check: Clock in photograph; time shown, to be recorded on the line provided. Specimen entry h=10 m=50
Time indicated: h=10 m=23
